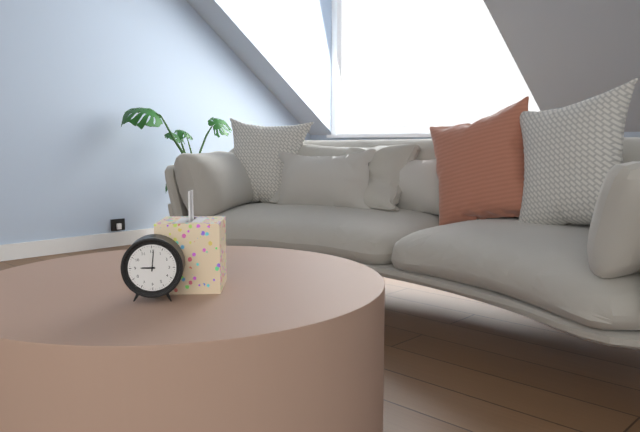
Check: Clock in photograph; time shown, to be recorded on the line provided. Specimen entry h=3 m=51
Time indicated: h=9 m=1
